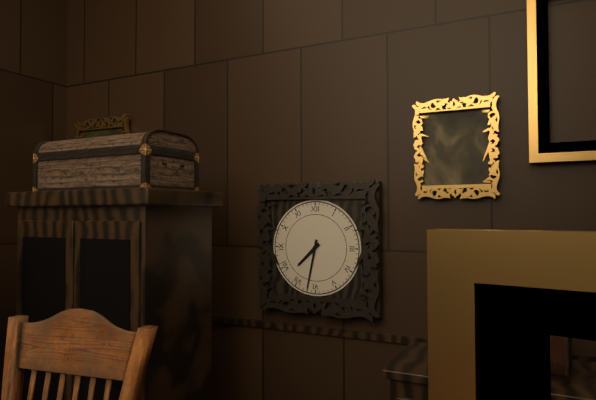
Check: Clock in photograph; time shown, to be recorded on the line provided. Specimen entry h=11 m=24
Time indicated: h=7 m=32
